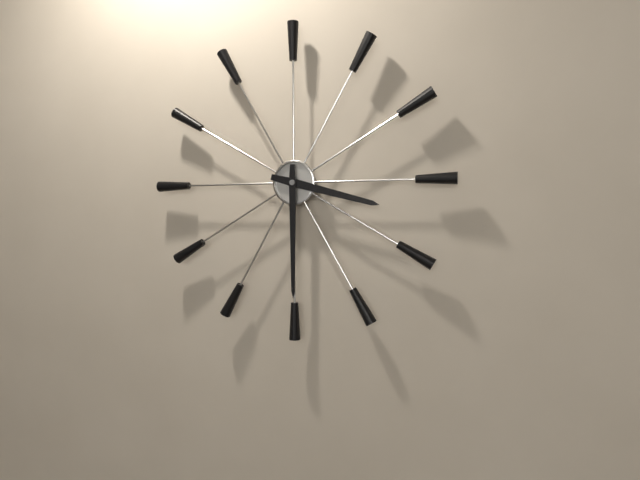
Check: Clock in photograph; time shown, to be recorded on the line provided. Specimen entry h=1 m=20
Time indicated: h=3 m=30
